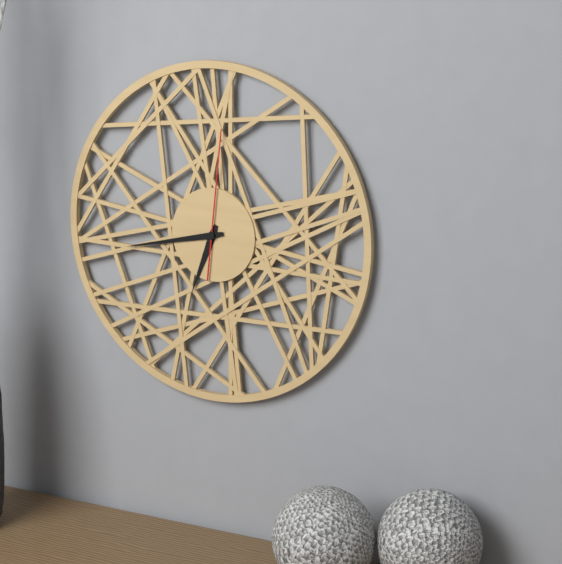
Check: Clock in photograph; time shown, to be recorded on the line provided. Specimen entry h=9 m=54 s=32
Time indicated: h=6 m=43 s=1
